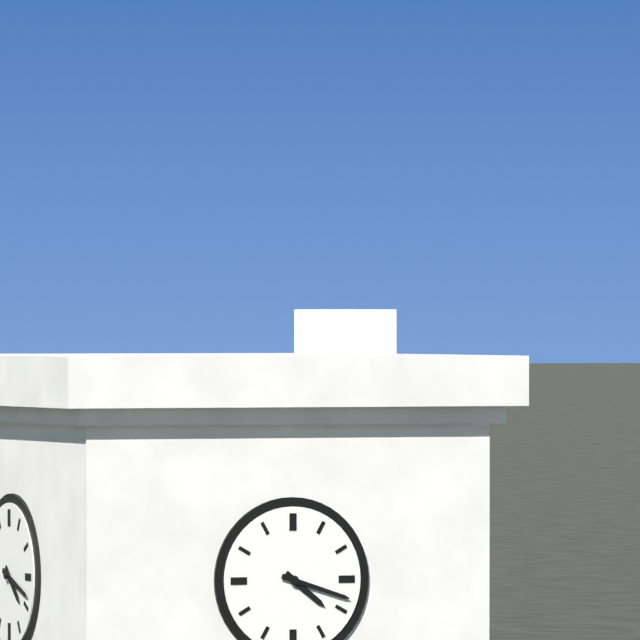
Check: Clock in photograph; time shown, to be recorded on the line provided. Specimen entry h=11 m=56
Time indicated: h=4 m=18
